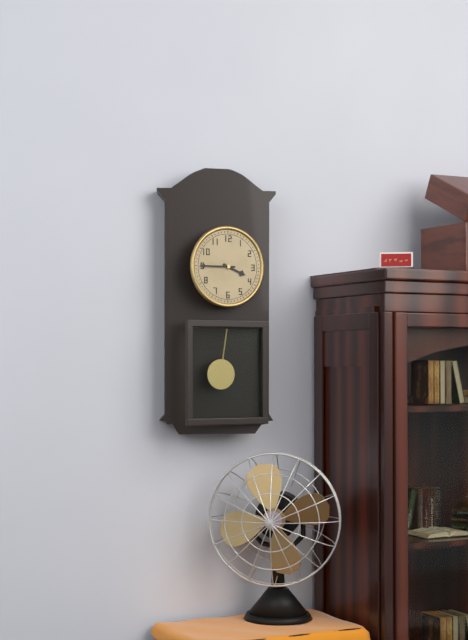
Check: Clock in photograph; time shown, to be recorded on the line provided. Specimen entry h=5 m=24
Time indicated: h=3 m=45
